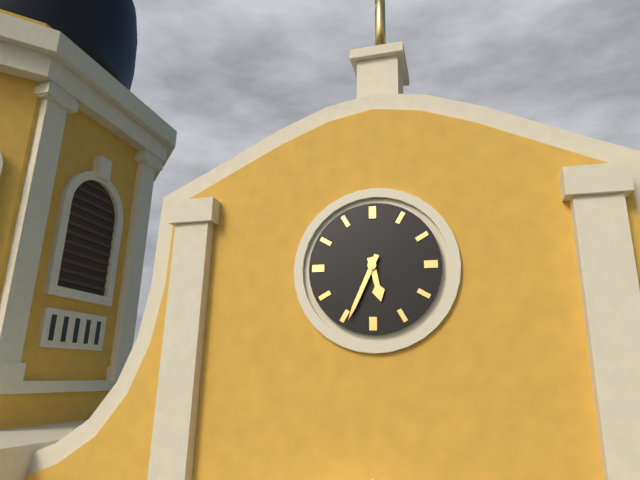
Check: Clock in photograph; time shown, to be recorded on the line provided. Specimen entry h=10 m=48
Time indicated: h=5 m=34
